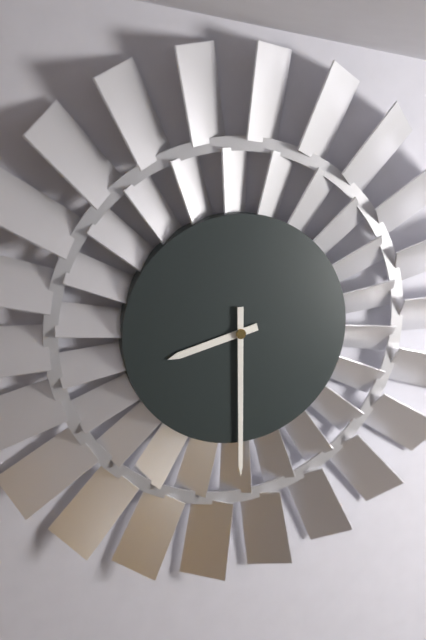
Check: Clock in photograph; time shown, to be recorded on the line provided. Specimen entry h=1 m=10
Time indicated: h=8 m=30
